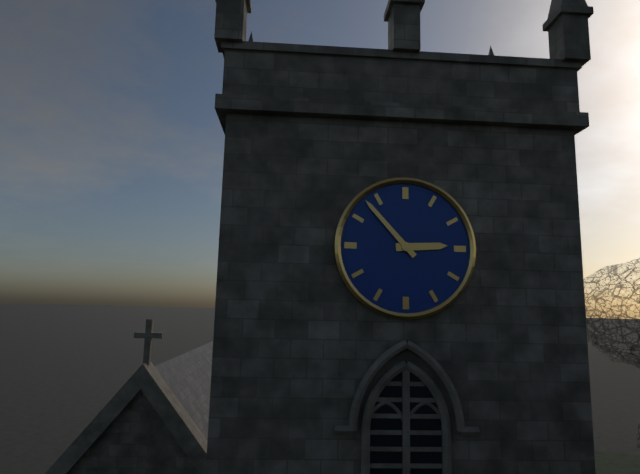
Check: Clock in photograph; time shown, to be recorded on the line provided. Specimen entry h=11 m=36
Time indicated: h=2 m=53
